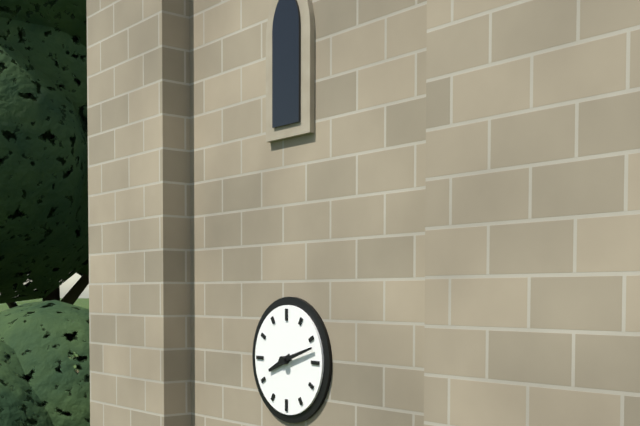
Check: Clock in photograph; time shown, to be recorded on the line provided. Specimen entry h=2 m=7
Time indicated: h=8 m=12
